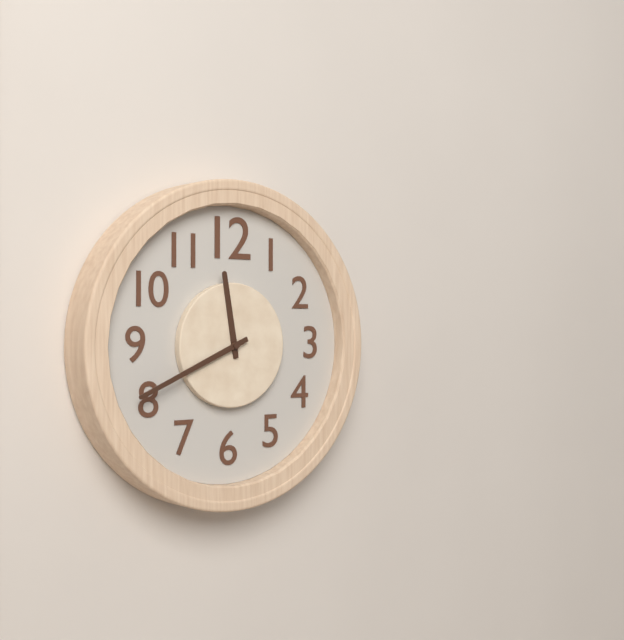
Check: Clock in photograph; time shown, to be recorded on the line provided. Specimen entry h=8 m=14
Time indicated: h=11 m=41
